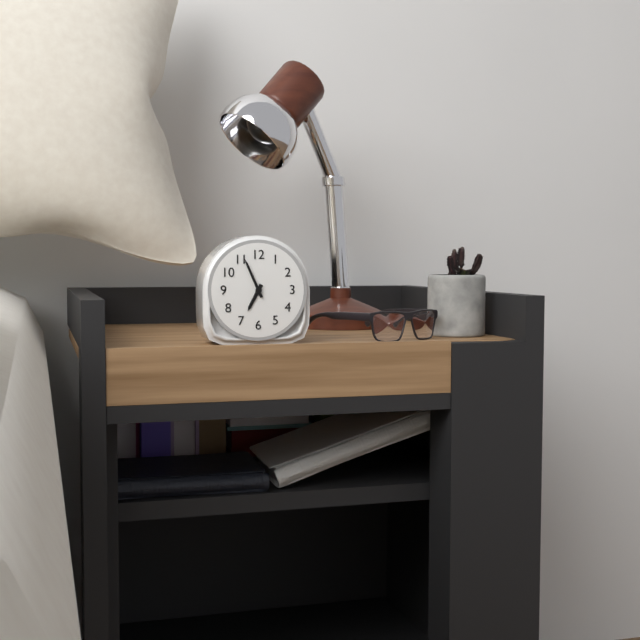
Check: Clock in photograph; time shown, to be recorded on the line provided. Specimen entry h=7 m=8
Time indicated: h=6 m=56
